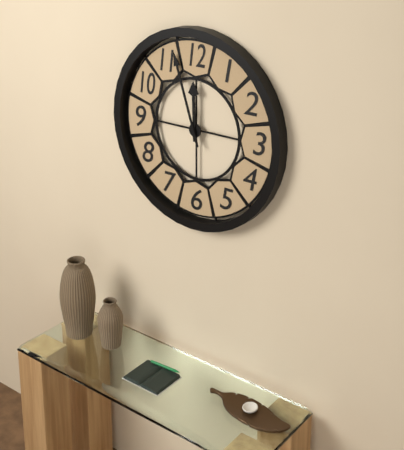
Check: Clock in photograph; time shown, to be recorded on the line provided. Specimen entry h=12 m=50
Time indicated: h=11 m=57
